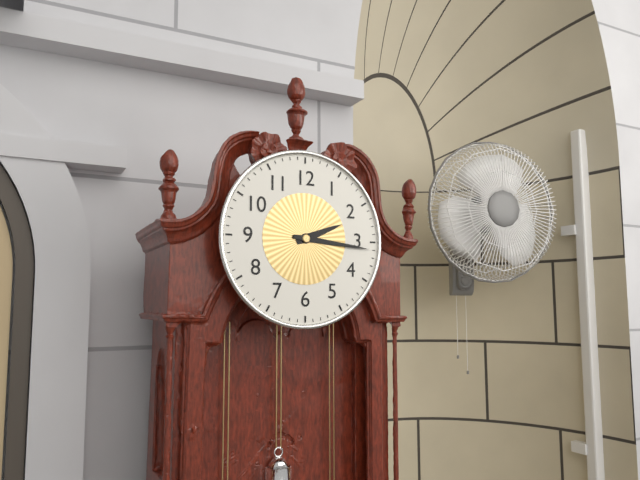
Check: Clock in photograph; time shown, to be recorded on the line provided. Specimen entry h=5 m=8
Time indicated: h=2 m=16
